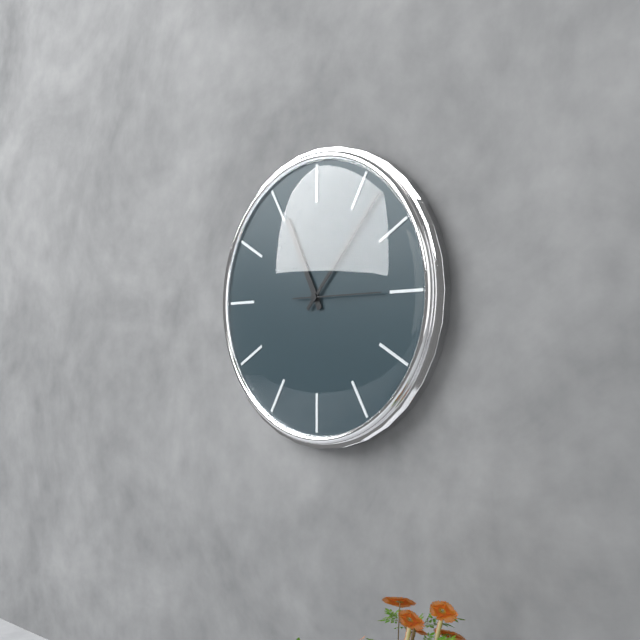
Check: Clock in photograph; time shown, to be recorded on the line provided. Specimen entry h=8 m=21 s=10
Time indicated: h=11 m=7 s=15
